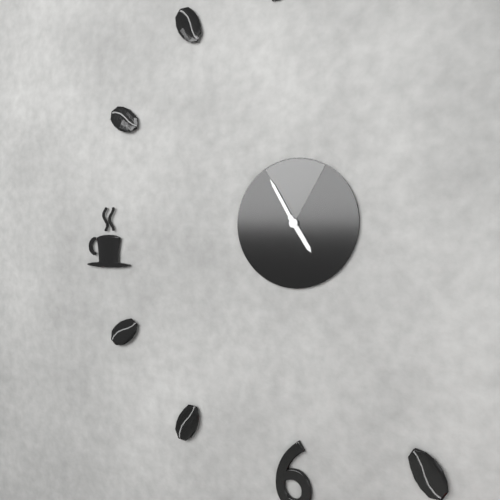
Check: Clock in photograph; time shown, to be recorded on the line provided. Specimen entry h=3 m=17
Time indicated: h=4 m=55
